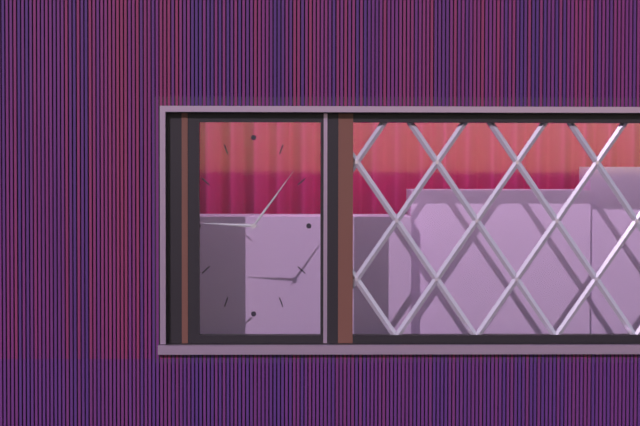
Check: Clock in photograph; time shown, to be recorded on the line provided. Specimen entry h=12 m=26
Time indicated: h=9 m=6
